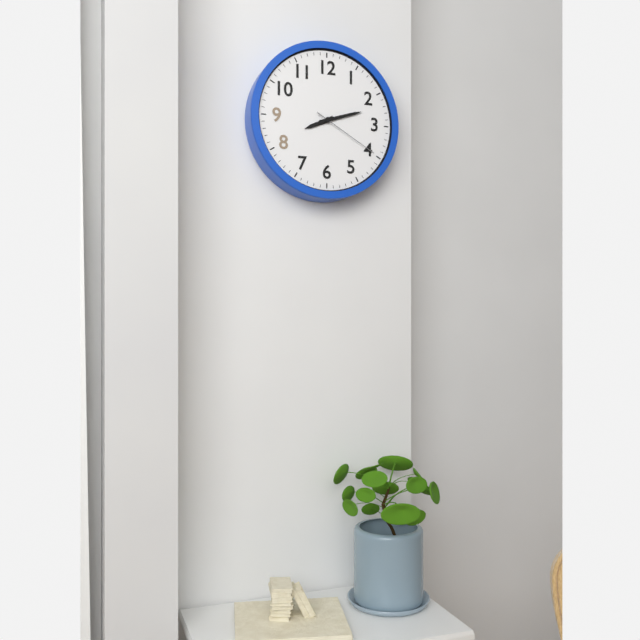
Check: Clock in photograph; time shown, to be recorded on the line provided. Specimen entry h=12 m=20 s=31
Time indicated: h=8 m=12 s=20
